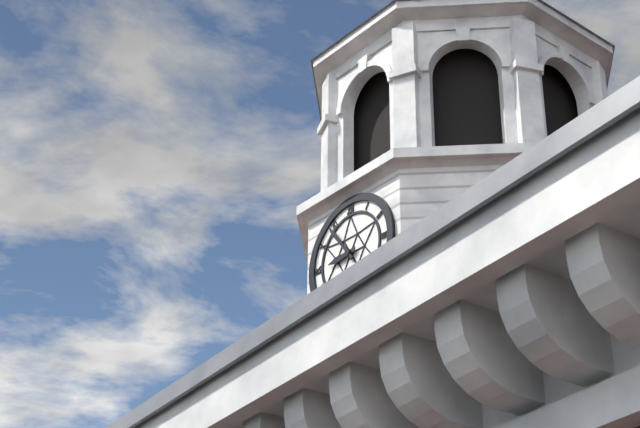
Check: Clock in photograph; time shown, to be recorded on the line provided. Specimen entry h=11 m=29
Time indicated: h=8 m=54
